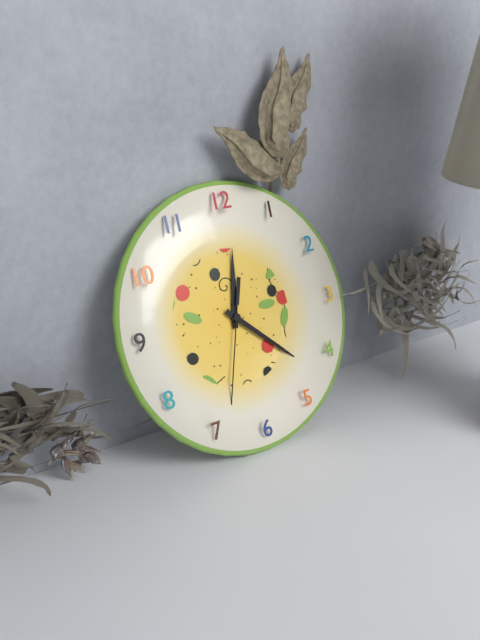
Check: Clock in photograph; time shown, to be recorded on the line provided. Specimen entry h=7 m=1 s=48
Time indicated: h=12 m=22 s=33
